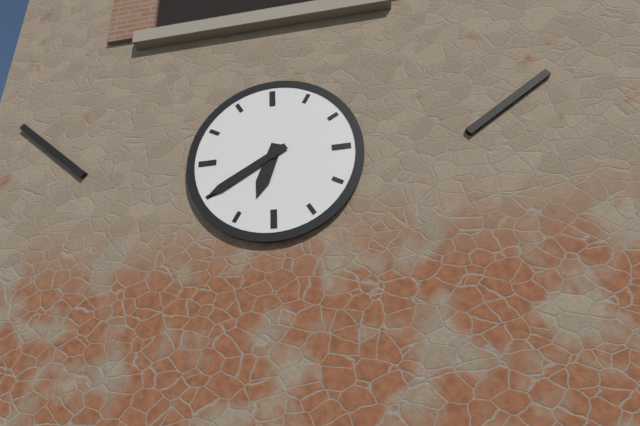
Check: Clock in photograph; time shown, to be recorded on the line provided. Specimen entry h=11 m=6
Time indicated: h=6 m=40
